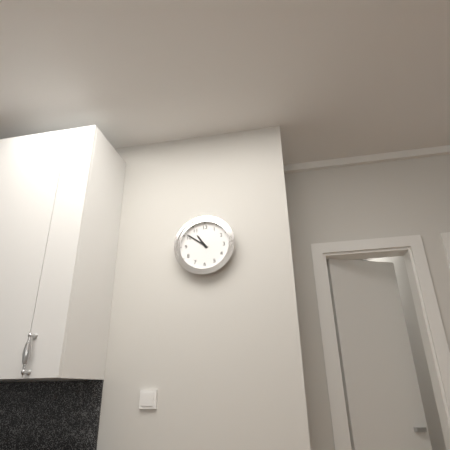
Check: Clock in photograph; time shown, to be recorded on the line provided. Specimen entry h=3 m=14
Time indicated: h=10 m=51
